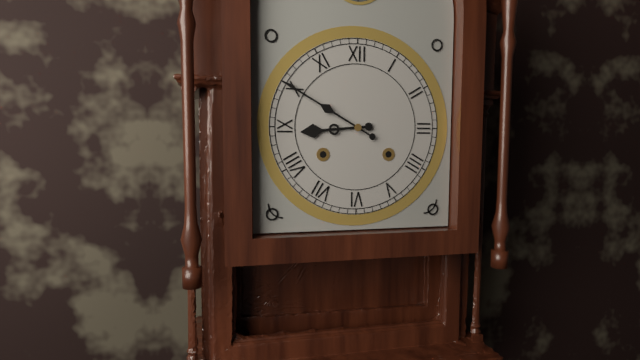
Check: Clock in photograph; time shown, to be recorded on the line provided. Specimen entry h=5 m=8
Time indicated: h=8 m=50
